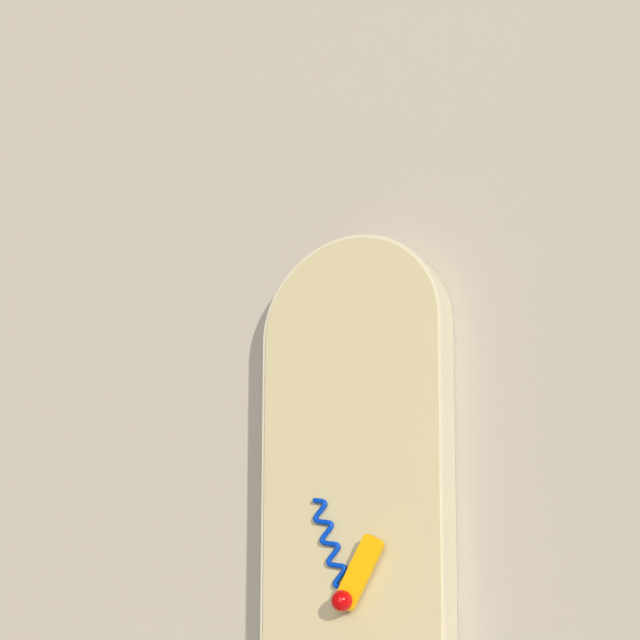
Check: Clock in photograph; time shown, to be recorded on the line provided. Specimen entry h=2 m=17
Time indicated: h=12 m=57
